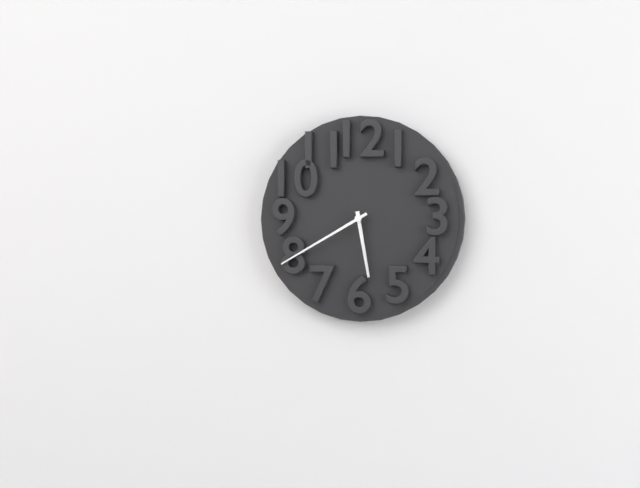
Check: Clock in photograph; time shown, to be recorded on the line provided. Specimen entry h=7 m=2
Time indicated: h=5 m=40
